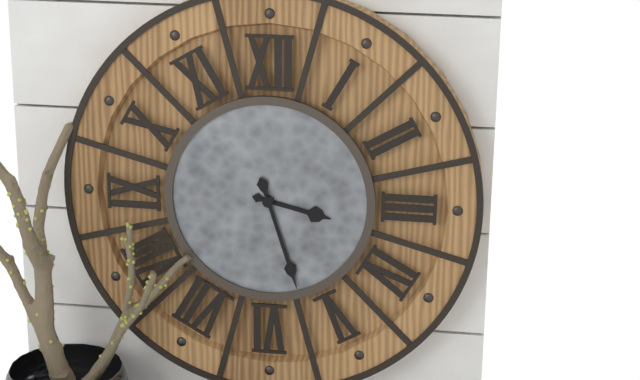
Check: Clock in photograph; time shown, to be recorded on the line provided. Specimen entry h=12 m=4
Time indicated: h=3 m=27
